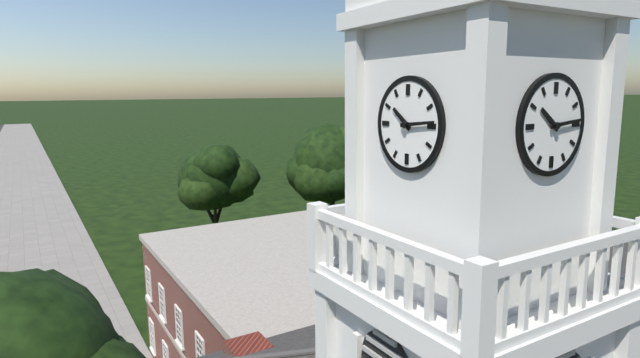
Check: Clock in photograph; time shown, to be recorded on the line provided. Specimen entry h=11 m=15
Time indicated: h=10 m=14
